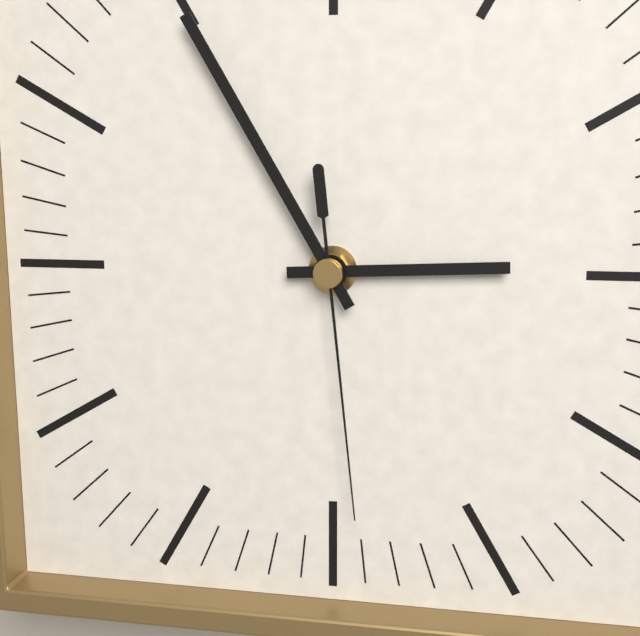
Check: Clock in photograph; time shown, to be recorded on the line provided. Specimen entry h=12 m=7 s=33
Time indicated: h=2 m=55 s=29
